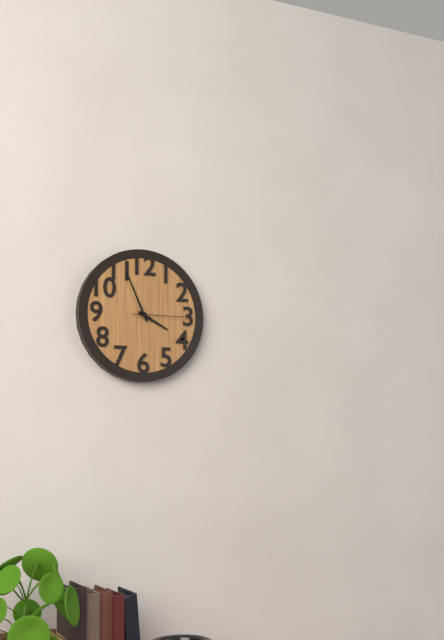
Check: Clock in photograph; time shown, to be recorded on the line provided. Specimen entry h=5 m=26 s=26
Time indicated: h=3 m=56 s=15
